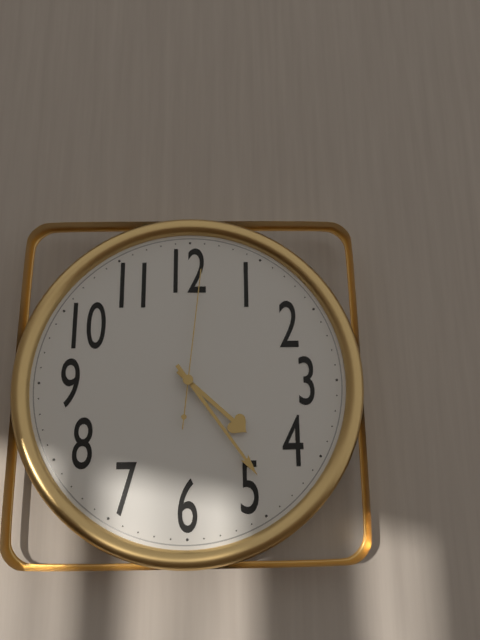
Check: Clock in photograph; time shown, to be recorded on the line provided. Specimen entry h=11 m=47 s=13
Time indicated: h=4 m=24 s=1
